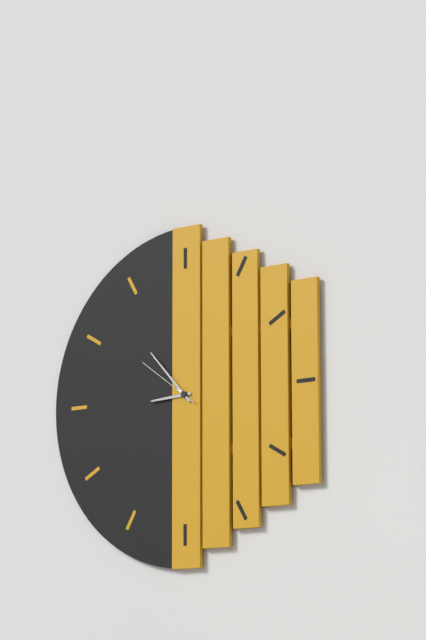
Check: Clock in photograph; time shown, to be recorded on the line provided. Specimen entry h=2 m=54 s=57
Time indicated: h=8 m=53 s=51
